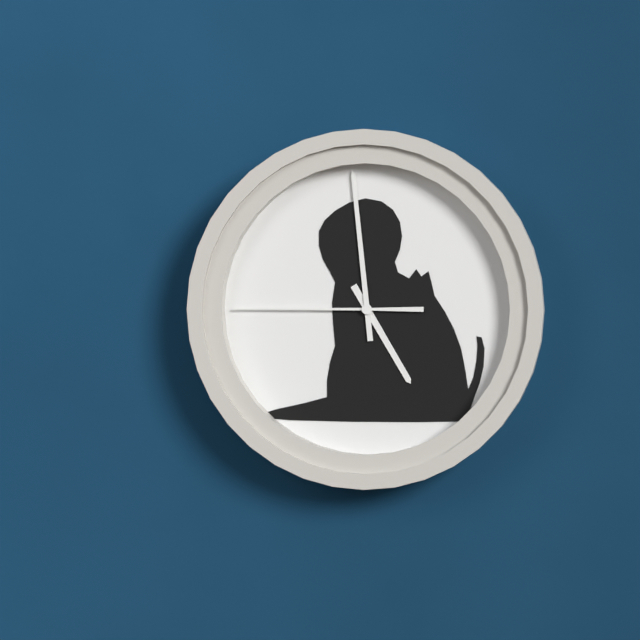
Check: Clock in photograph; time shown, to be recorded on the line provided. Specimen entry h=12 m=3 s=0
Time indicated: h=4 m=59 s=45
